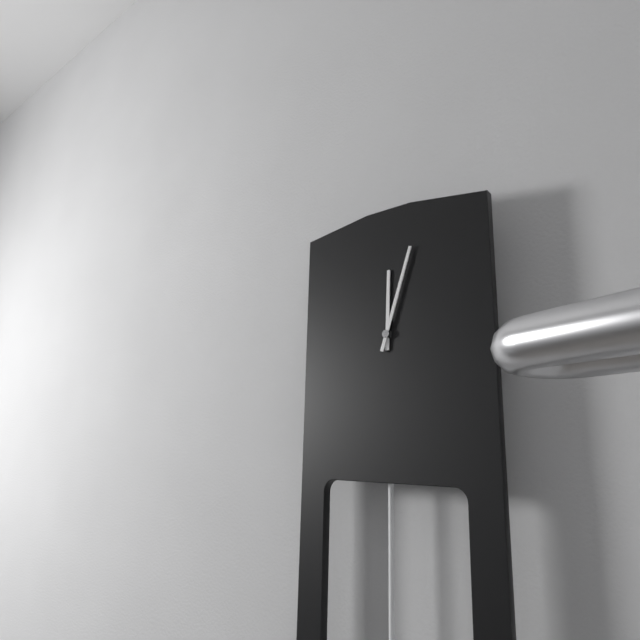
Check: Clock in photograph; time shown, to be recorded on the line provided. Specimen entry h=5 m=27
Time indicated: h=12 m=3
